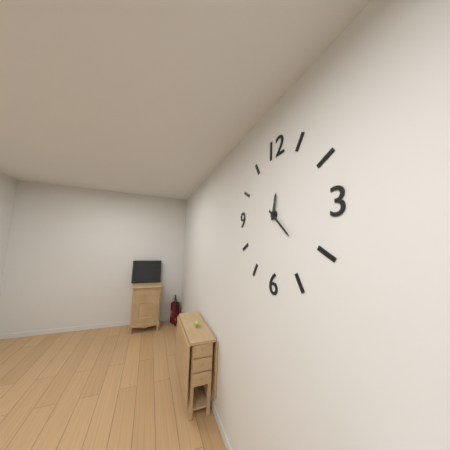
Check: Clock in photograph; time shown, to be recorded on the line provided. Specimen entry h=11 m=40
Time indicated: h=12 m=22
